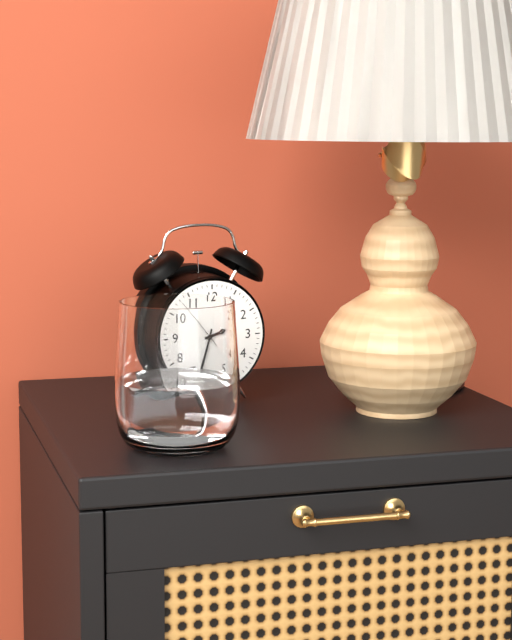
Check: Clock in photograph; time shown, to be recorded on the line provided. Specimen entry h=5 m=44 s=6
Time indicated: h=2 m=33 s=53
